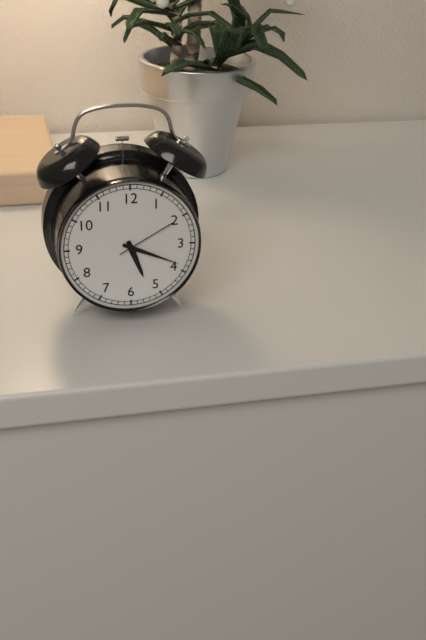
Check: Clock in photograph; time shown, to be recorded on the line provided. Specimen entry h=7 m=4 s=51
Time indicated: h=5 m=19 s=10
